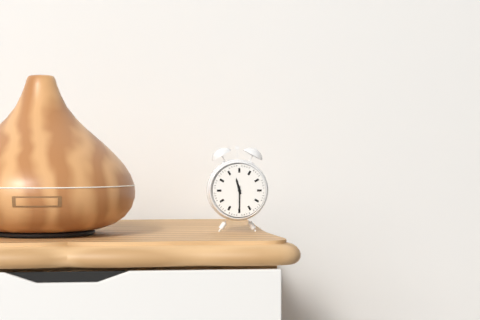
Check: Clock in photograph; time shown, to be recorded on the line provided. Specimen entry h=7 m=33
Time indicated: h=11 m=30
